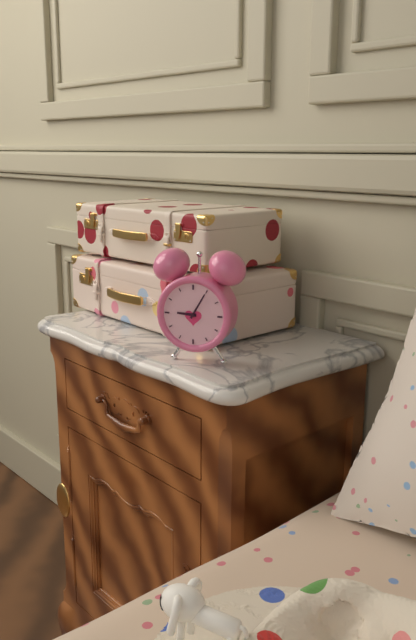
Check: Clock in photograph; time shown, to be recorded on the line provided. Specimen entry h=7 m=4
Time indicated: h=9 m=5
